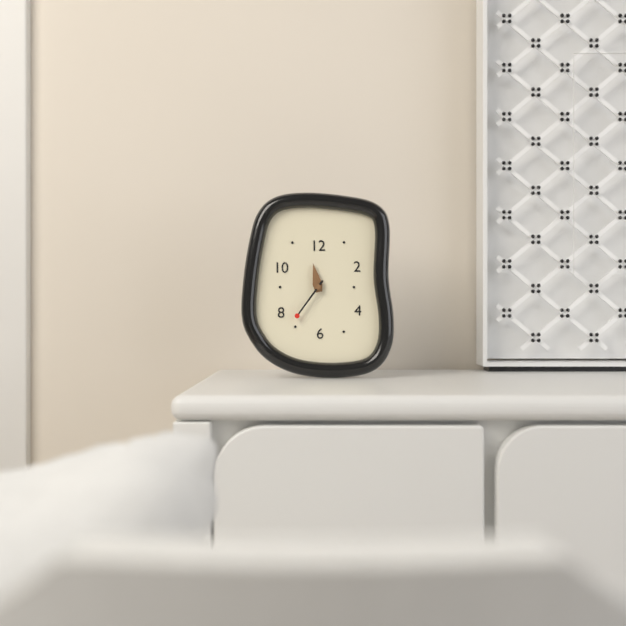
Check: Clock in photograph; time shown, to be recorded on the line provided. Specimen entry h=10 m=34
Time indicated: h=11 m=36
